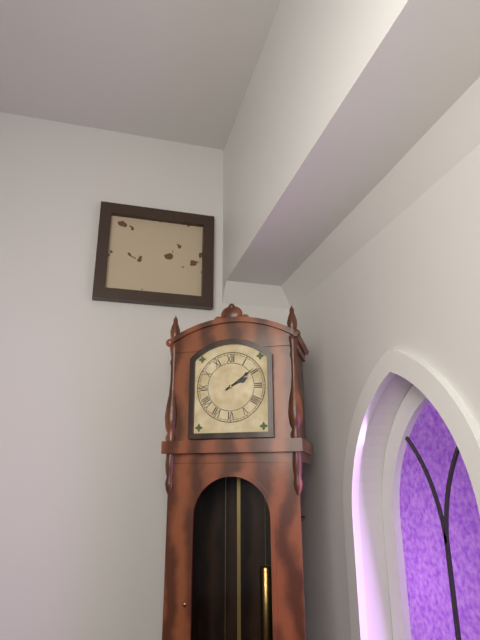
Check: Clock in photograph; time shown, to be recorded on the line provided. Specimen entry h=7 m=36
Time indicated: h=2 m=9
